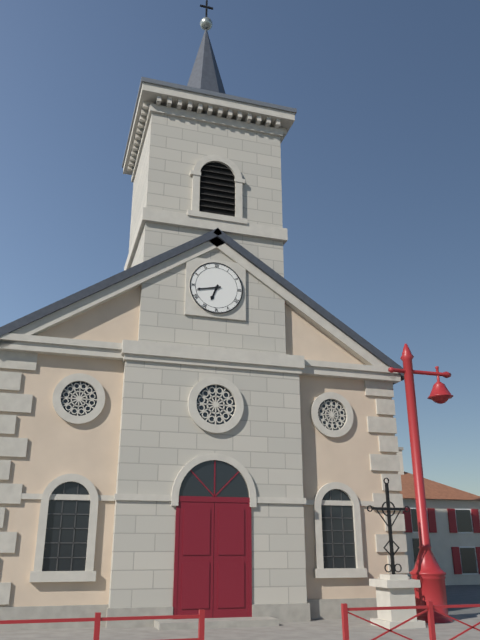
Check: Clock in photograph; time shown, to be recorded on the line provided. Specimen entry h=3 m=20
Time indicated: h=6 m=43
